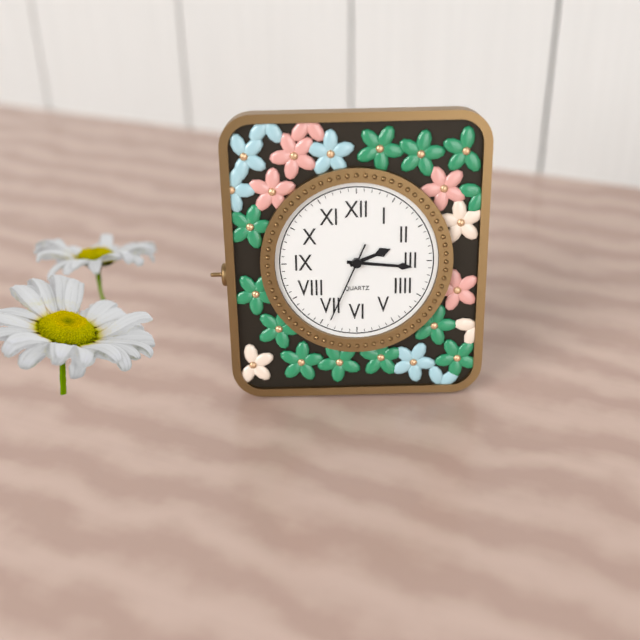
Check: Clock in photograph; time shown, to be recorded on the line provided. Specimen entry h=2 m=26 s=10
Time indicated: h=2 m=16 s=34
